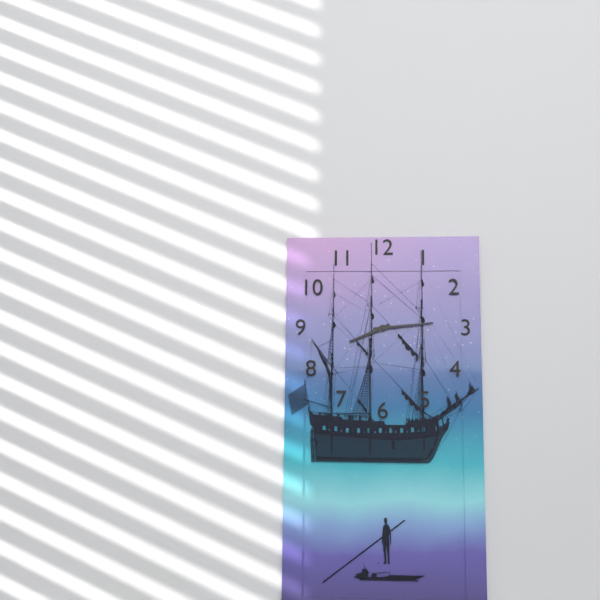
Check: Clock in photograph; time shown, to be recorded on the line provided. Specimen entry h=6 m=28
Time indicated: h=8 m=14
